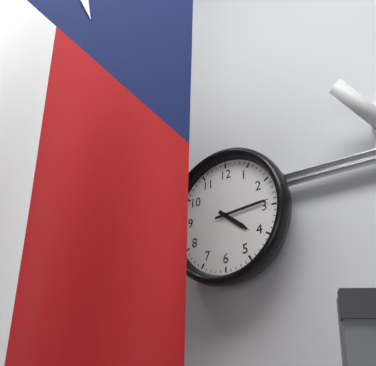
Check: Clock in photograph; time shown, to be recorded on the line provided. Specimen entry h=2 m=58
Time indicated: h=4 m=14
